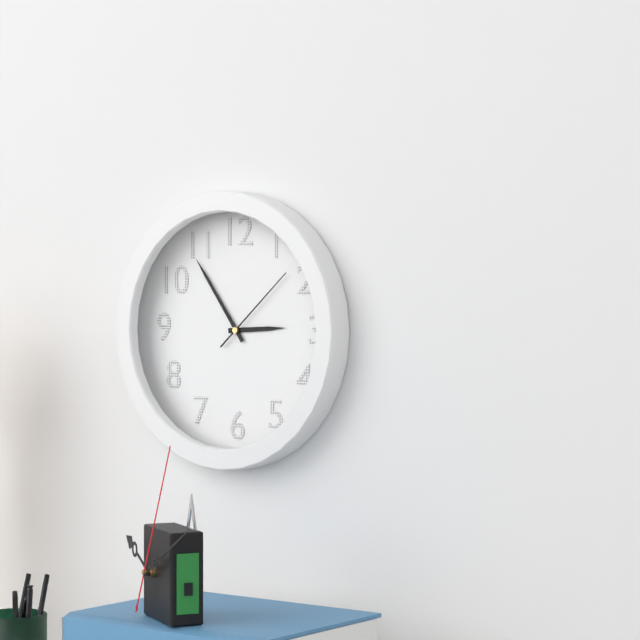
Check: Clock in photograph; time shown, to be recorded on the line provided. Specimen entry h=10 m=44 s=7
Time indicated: h=2 m=54 s=8
